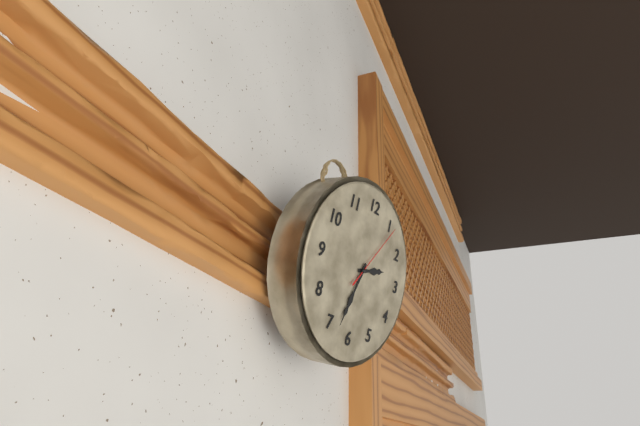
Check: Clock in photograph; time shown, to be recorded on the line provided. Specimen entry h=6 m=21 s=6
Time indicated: h=2 m=33 s=6
